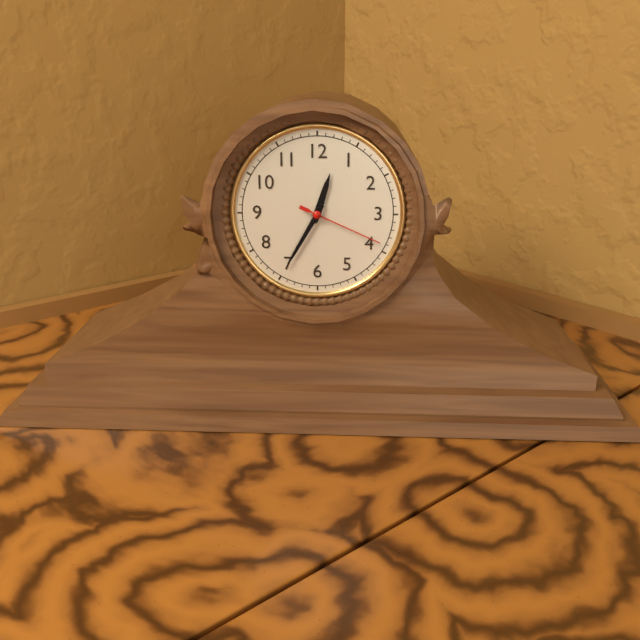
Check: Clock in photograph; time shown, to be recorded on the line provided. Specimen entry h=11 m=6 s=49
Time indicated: h=12 m=35 s=19
